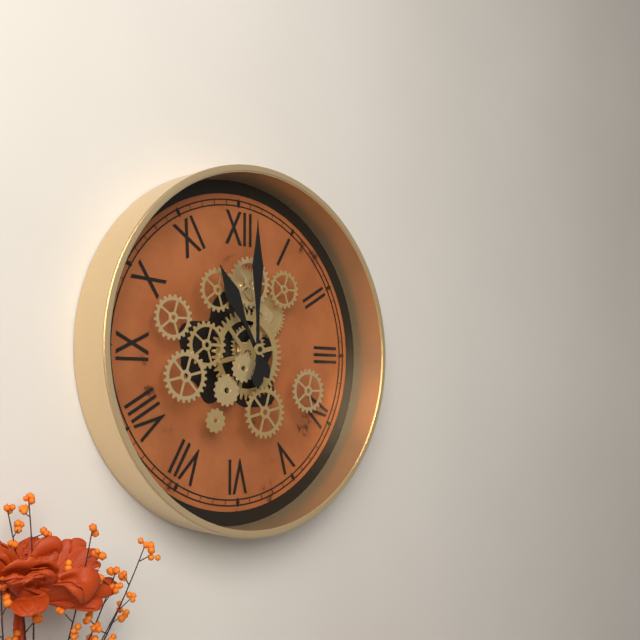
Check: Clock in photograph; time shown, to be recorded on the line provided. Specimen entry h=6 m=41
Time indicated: h=11 m=0
